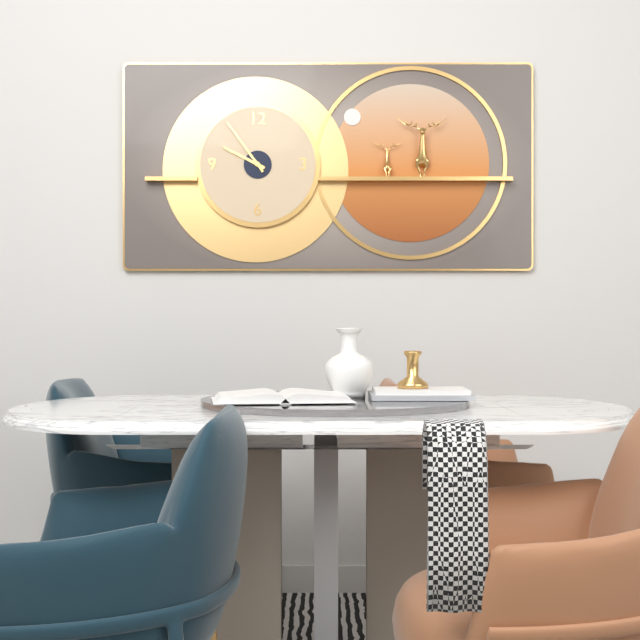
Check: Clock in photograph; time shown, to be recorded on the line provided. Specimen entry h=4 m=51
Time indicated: h=9 m=54
